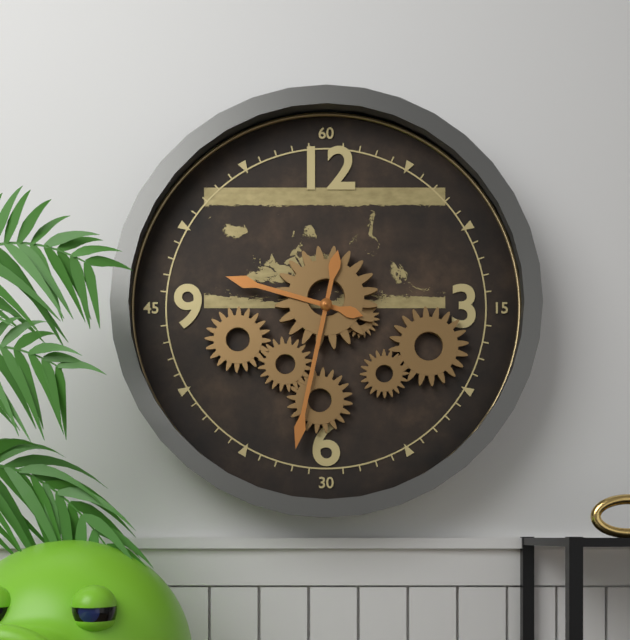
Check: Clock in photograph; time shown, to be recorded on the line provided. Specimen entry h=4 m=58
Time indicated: h=9 m=32
